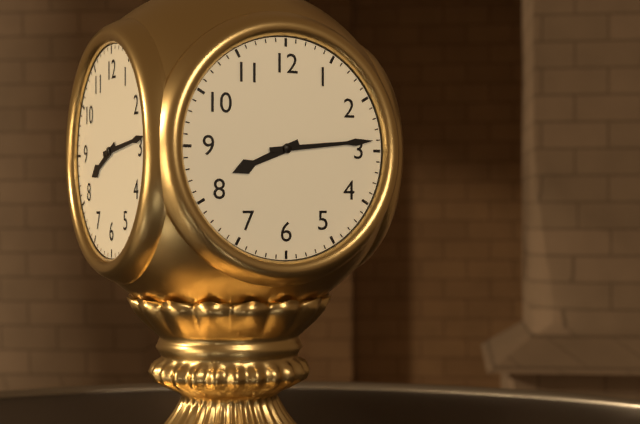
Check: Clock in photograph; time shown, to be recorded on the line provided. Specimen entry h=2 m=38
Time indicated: h=8 m=14
